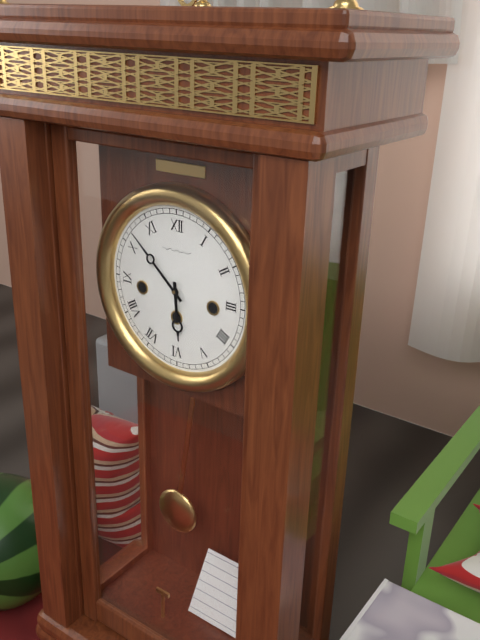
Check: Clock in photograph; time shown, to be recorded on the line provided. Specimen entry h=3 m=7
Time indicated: h=5 m=52
